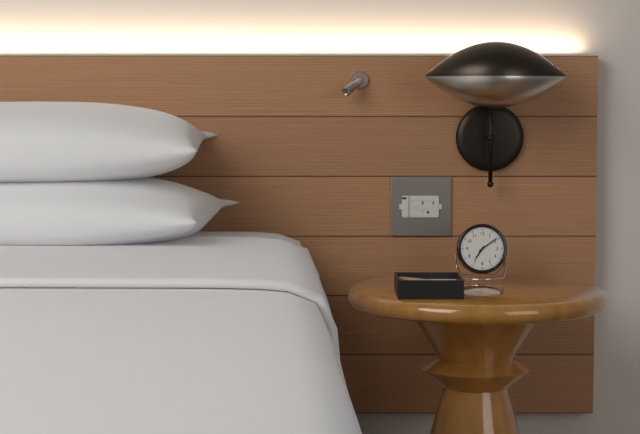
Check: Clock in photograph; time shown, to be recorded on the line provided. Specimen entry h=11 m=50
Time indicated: h=7 m=9
